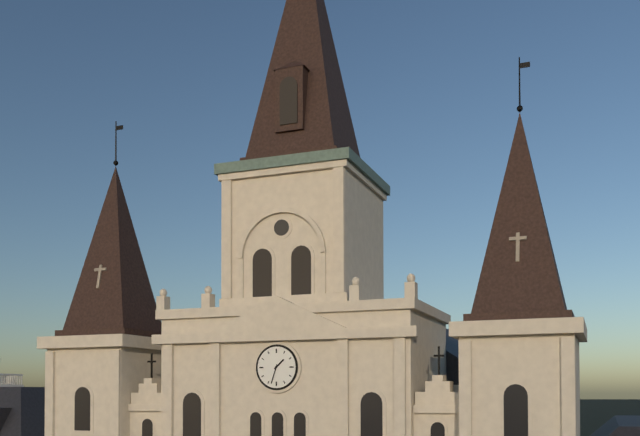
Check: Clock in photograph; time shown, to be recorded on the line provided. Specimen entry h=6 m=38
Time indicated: h=1 m=33
